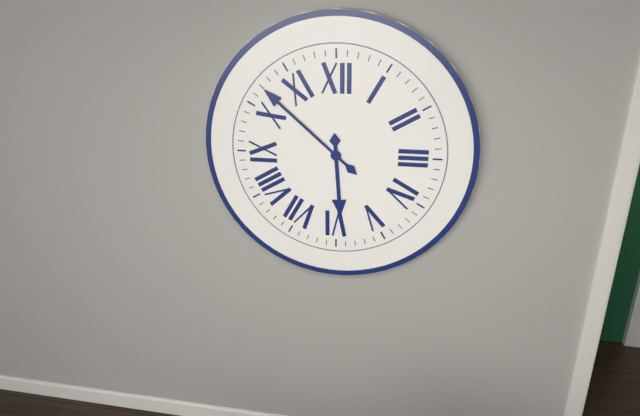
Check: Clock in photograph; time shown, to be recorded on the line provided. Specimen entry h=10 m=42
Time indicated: h=5 m=52
